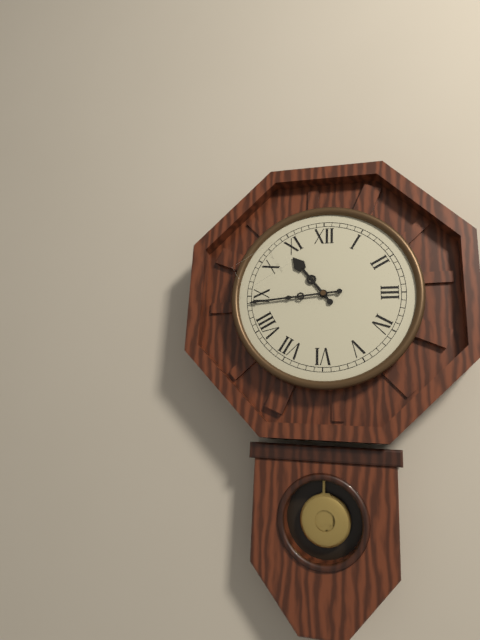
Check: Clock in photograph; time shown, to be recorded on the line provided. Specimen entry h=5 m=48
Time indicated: h=10 m=44
